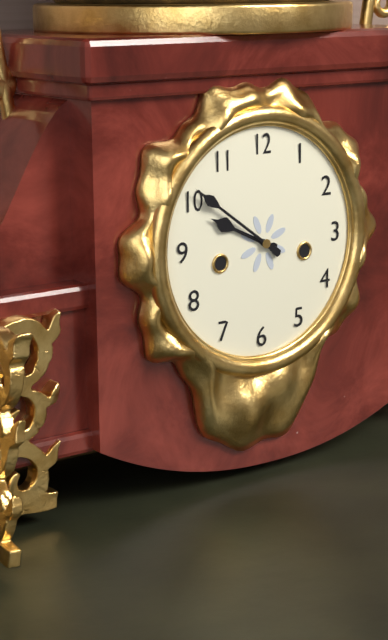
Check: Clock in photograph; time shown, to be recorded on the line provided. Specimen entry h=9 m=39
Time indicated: h=9 m=51
